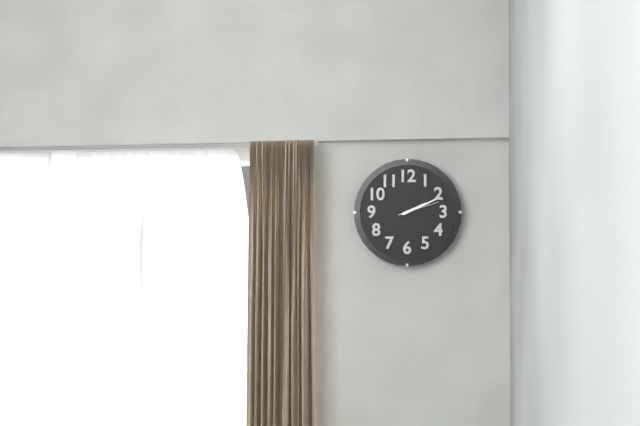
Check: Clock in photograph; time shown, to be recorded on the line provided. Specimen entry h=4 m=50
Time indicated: h=2 m=11
